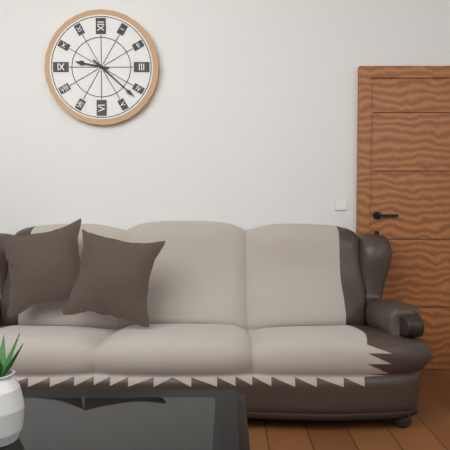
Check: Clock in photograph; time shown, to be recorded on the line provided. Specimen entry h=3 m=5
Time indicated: h=9 m=22
